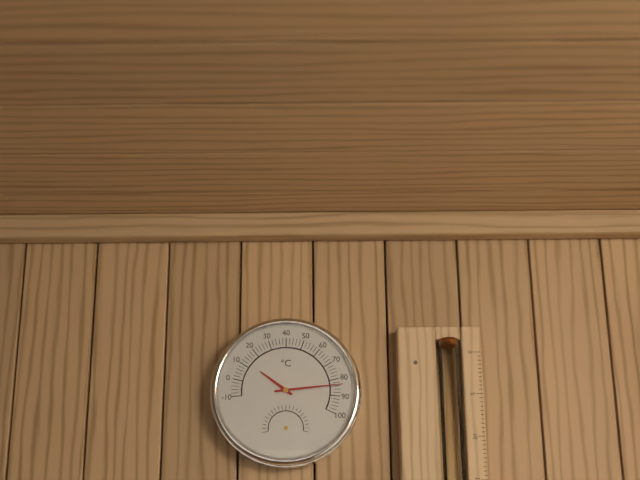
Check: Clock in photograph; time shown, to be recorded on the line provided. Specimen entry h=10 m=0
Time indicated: h=10 m=14
